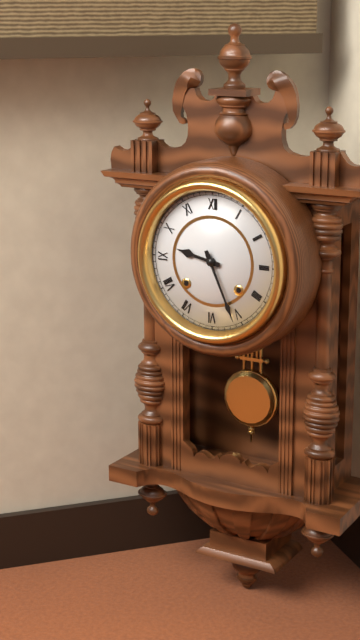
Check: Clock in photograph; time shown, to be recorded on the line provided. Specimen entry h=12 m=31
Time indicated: h=9 m=26
